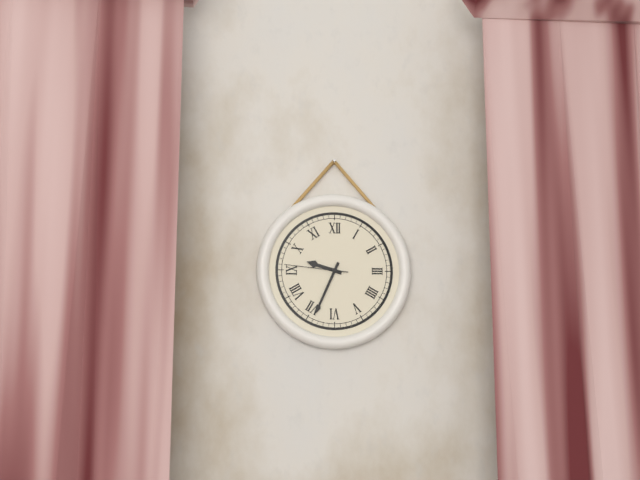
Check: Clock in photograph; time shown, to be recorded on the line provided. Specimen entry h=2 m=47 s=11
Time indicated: h=9 m=34 s=46
